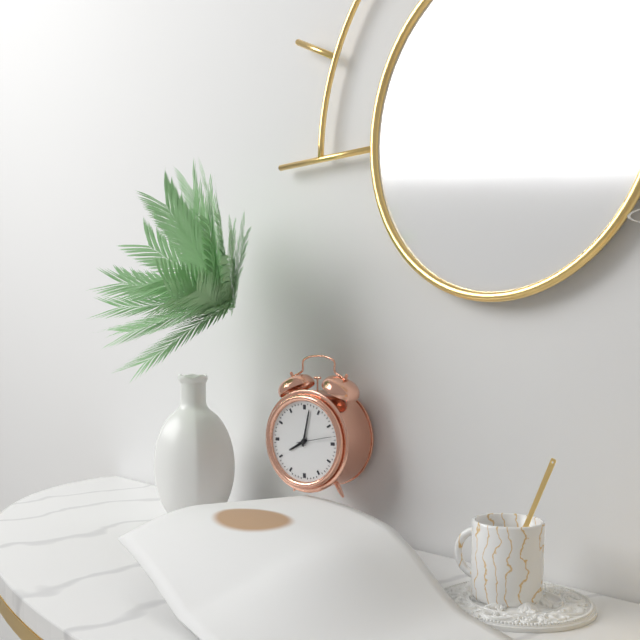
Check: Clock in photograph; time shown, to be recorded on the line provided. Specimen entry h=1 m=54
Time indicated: h=8 m=2
